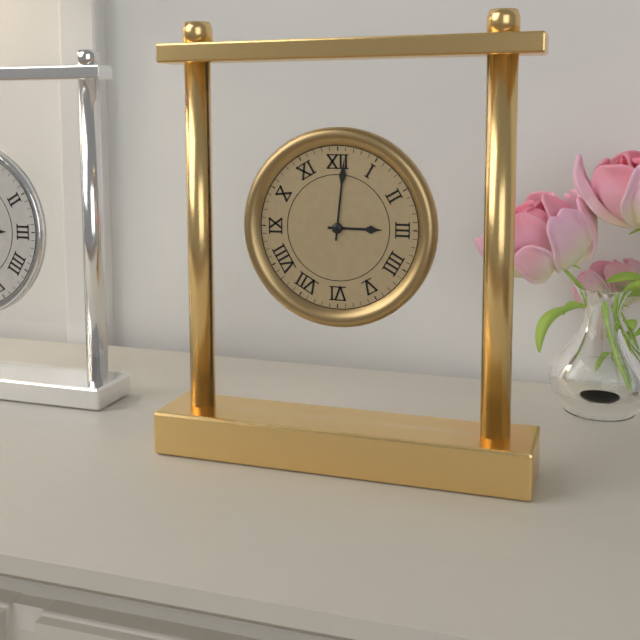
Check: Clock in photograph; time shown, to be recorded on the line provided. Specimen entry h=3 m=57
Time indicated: h=3 m=1
